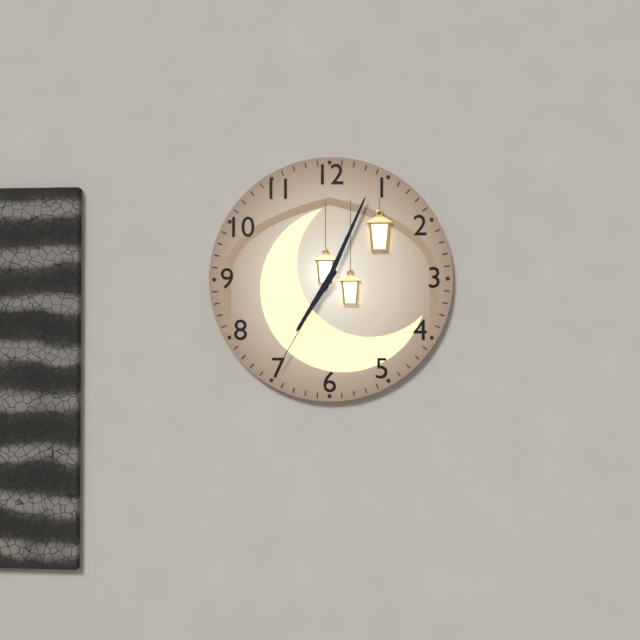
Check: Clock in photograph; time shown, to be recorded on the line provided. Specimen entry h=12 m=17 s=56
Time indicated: h=7 m=4 s=35
